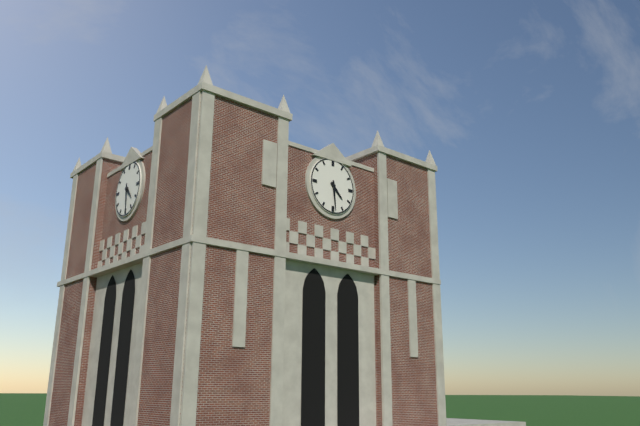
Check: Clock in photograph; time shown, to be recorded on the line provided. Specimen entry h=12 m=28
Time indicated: h=4 m=29
